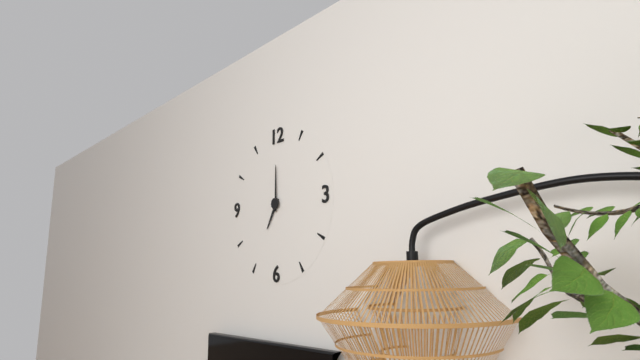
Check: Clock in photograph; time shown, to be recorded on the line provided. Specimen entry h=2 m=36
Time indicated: h=7 m=0
